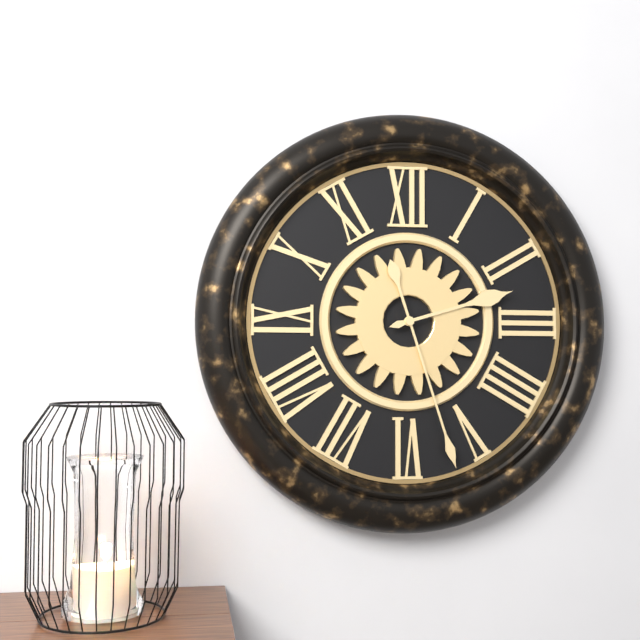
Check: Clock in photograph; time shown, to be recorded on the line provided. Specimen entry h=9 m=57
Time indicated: h=2 m=27
